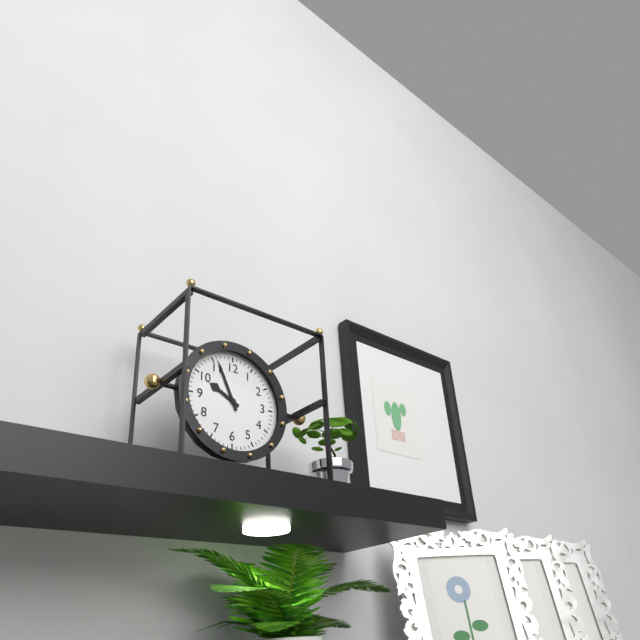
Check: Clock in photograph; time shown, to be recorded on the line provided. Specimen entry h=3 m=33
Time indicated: h=9 m=56
